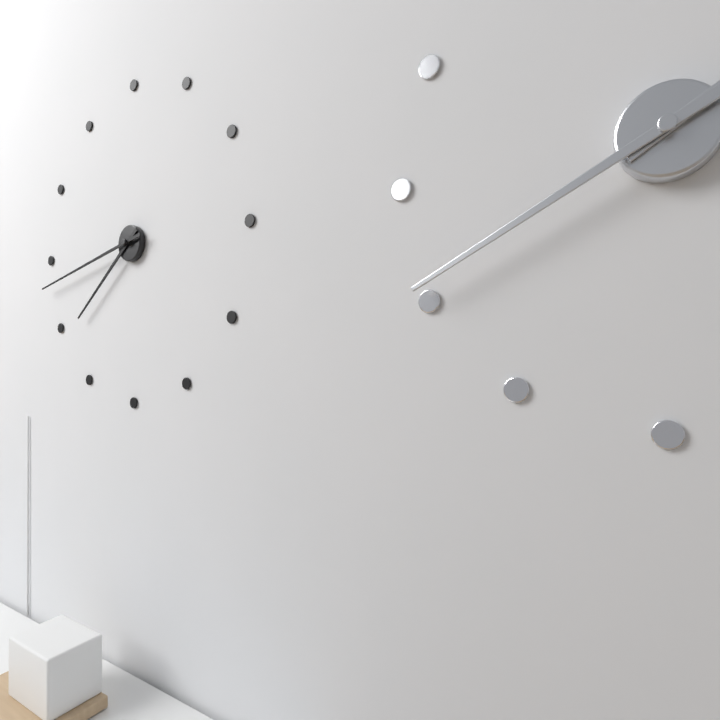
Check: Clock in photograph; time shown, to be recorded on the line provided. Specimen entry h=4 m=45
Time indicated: h=7 m=43
